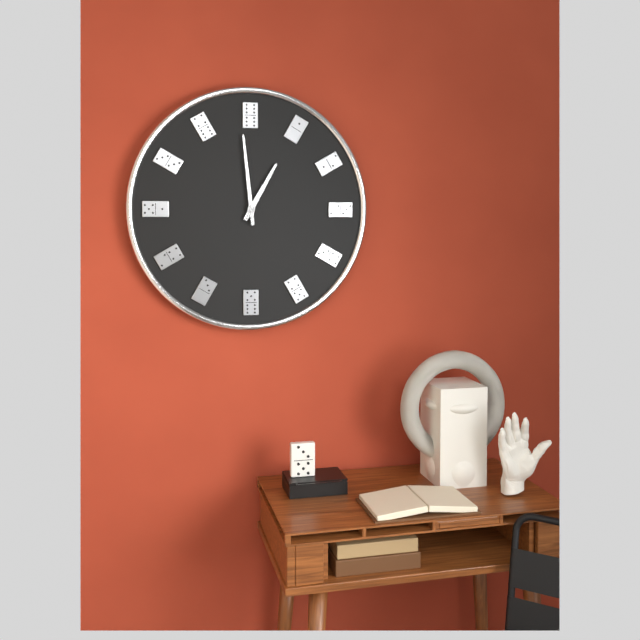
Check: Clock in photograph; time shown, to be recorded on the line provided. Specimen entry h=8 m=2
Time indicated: h=12 m=59
